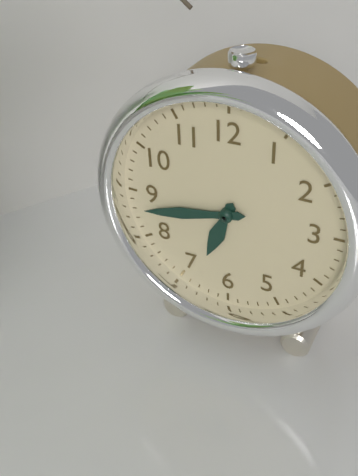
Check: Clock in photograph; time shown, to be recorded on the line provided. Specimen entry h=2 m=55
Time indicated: h=6 m=43
